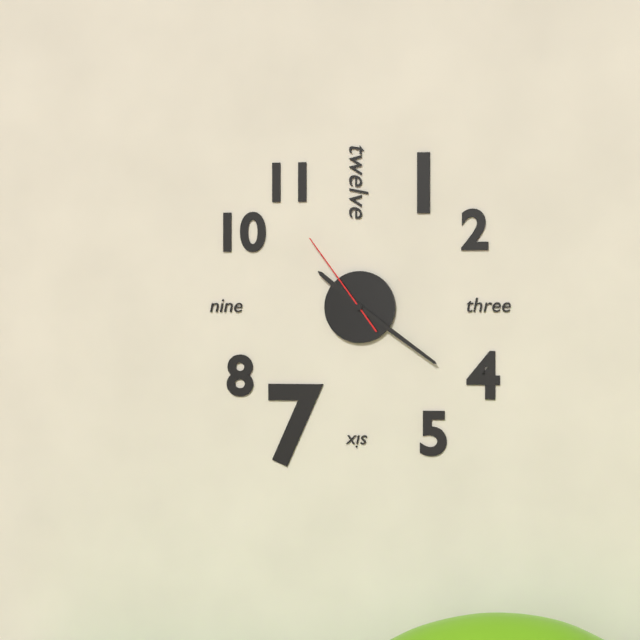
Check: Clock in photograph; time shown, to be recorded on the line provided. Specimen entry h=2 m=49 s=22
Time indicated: h=10 m=21 s=54
